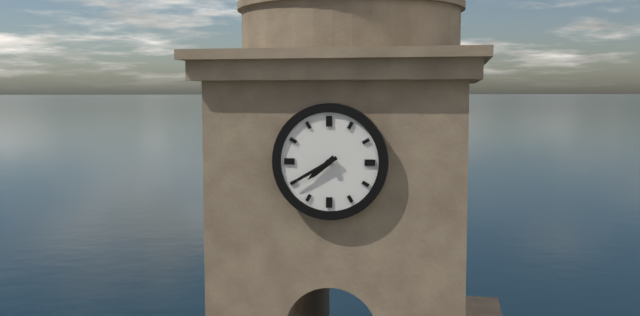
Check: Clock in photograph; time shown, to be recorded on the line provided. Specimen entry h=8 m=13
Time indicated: h=7 m=40
